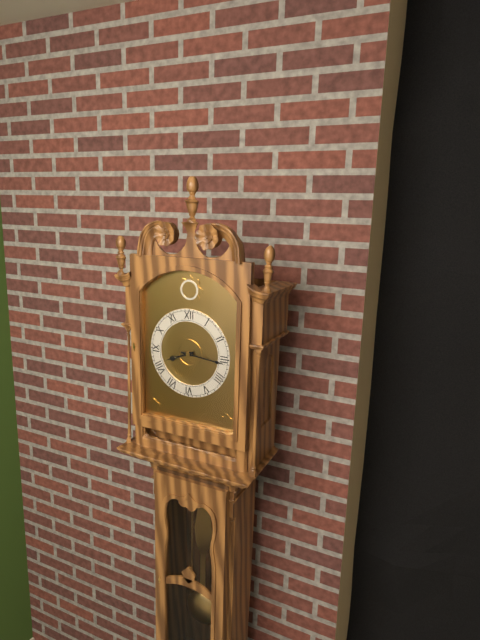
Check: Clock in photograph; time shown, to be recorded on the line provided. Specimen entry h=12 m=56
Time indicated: h=8 m=16
